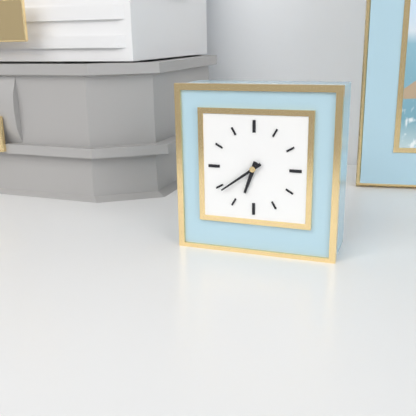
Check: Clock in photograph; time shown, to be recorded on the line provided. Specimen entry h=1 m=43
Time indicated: h=6 m=39
